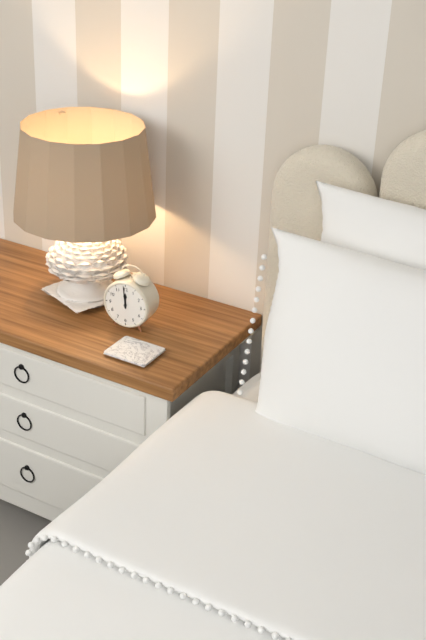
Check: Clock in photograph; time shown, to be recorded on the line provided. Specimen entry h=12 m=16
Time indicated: h=11 m=59
